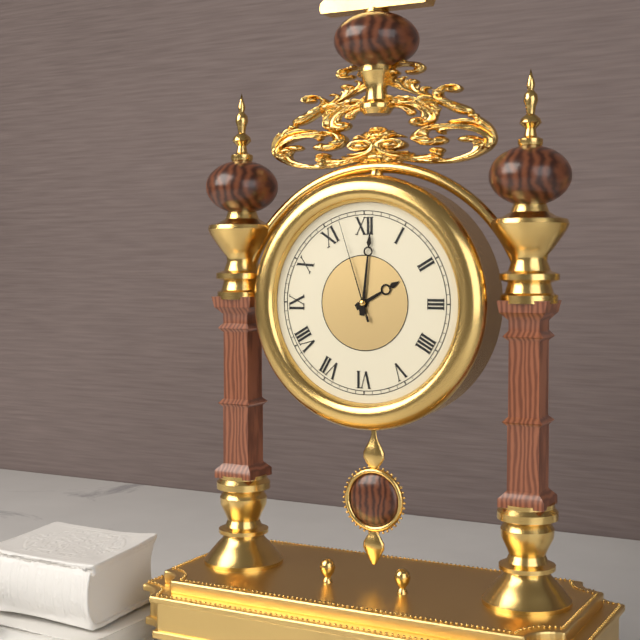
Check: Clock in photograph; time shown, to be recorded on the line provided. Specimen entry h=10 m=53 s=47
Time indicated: h=2 m=1 s=57
